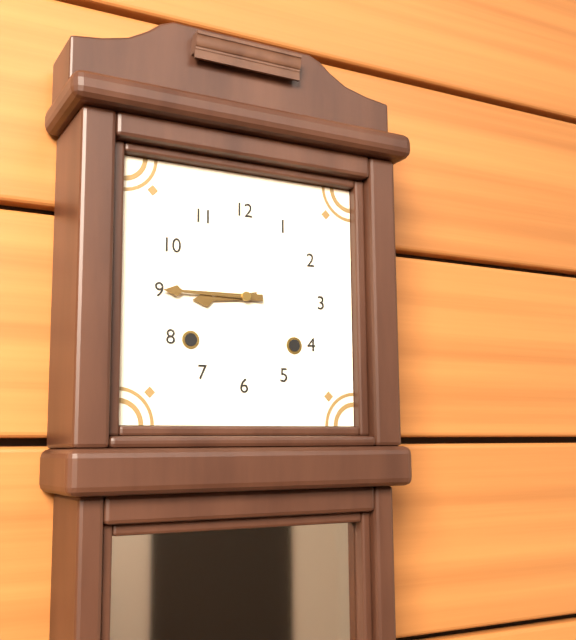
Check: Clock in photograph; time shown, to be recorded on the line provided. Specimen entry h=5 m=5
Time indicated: h=8 m=45
